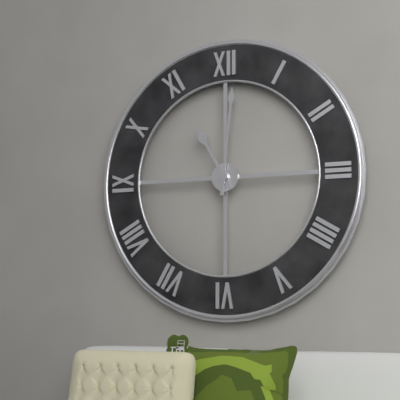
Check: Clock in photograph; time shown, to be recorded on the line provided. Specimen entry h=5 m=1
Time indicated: h=11 m=1
